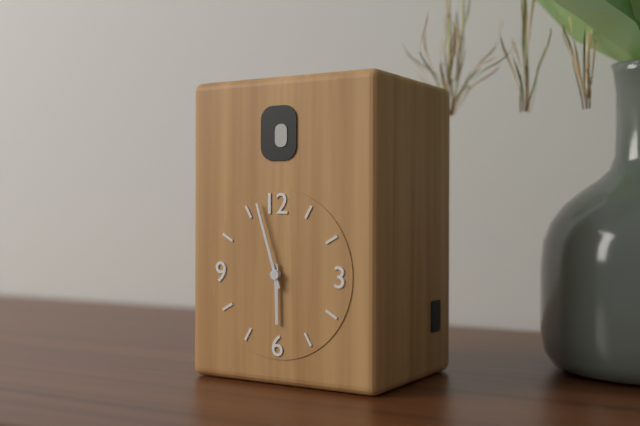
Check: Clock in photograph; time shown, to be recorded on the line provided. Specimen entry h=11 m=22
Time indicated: h=5 m=57
